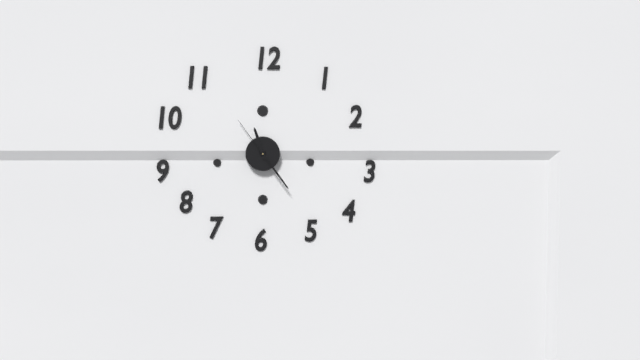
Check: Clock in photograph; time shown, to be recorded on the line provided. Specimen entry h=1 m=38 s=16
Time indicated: h=11 m=24 s=54
